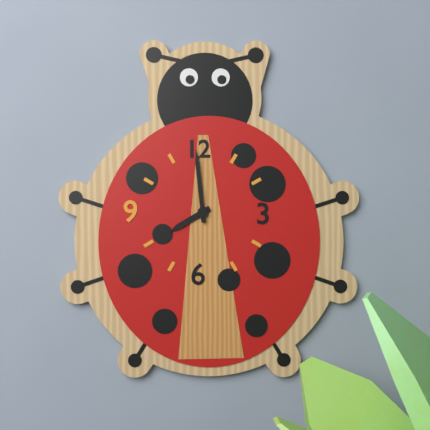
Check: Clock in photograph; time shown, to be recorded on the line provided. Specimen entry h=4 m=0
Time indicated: h=7 m=59
